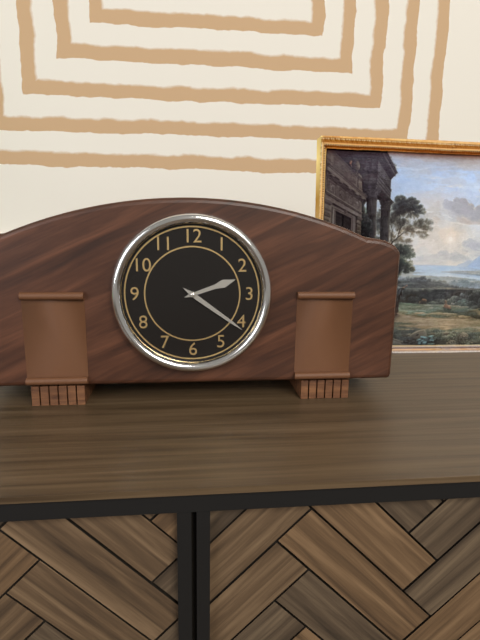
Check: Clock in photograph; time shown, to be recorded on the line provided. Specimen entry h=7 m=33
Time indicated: h=2 m=21
